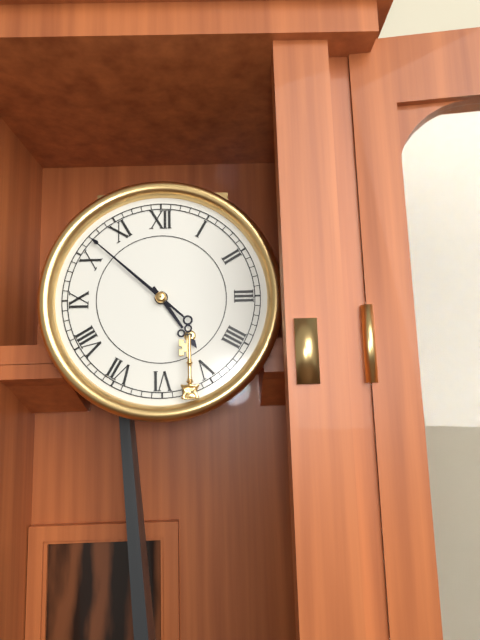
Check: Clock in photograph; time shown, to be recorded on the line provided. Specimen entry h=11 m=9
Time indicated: h=4 m=52
